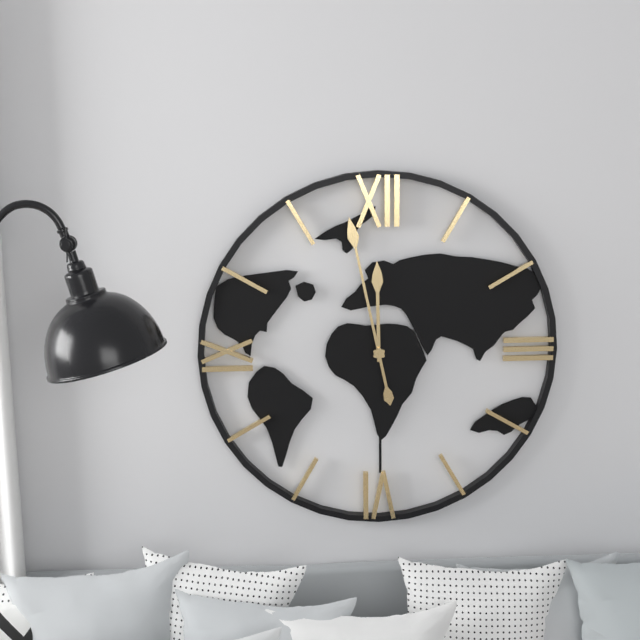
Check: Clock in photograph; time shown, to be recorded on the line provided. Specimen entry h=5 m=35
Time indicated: h=11 m=58
